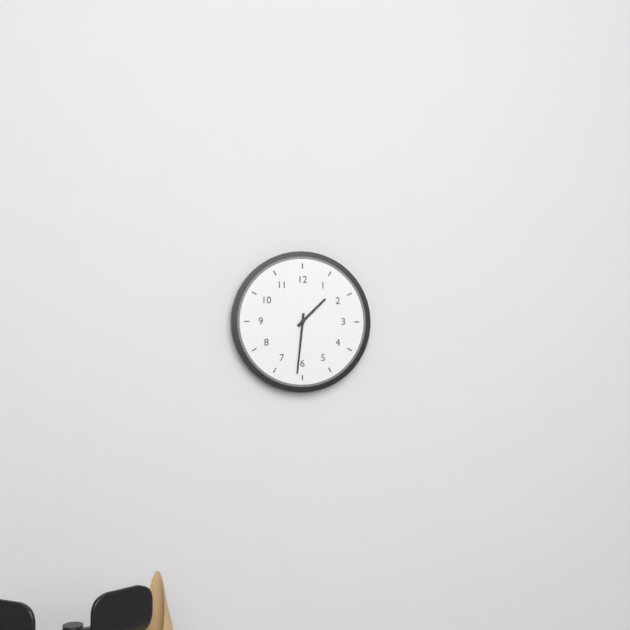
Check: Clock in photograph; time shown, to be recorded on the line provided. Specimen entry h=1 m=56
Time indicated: h=1 m=31
